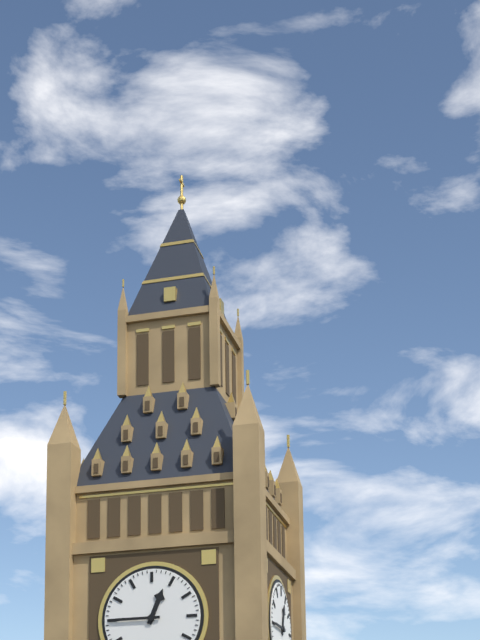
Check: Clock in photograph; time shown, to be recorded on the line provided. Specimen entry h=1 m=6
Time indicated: h=12 m=45
